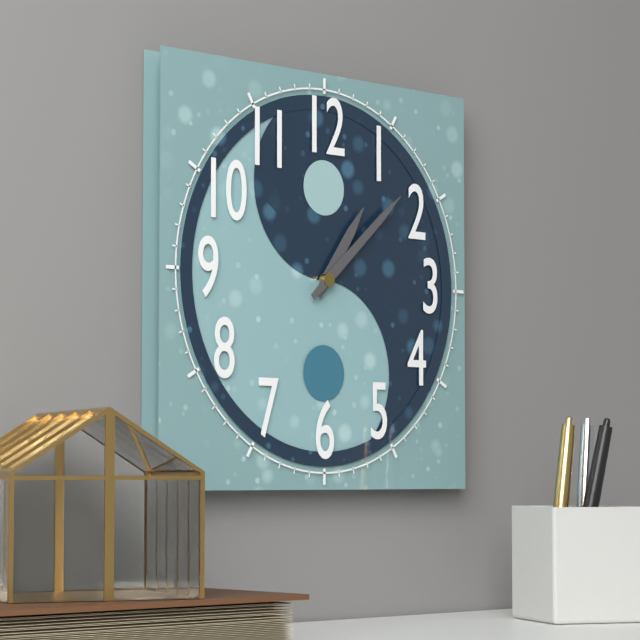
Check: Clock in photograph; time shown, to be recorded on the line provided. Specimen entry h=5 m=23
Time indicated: h=1 m=8
